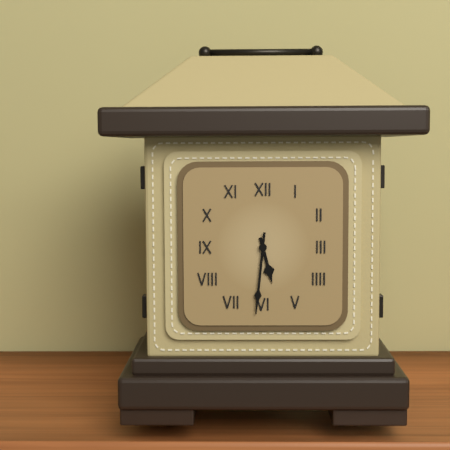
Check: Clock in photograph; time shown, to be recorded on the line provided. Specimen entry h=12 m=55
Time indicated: h=5 m=31
